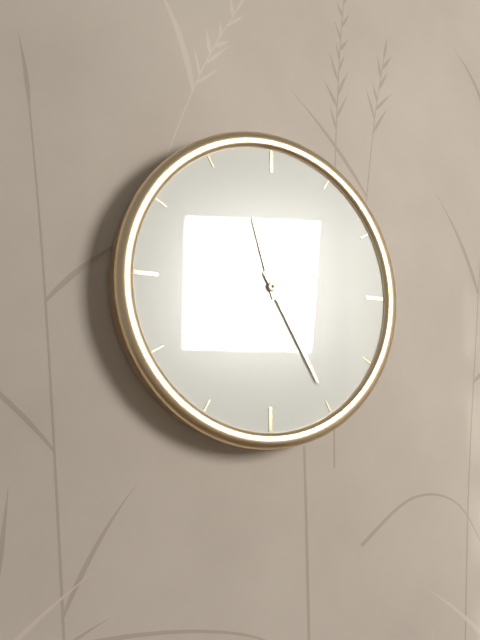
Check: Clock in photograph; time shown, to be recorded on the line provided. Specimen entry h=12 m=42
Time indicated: h=11 m=25
